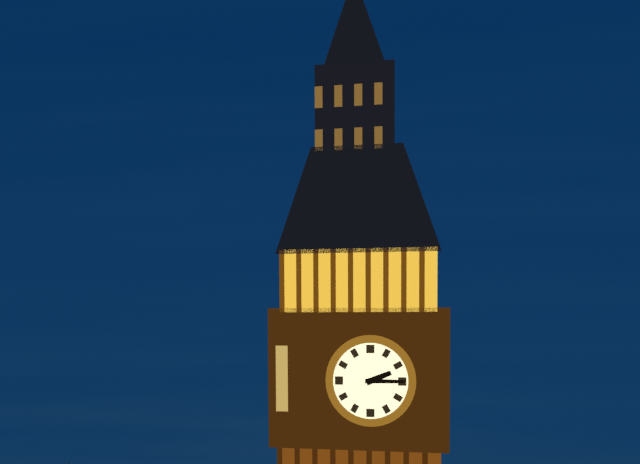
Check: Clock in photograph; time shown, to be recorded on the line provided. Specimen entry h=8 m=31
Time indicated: h=2 m=15
